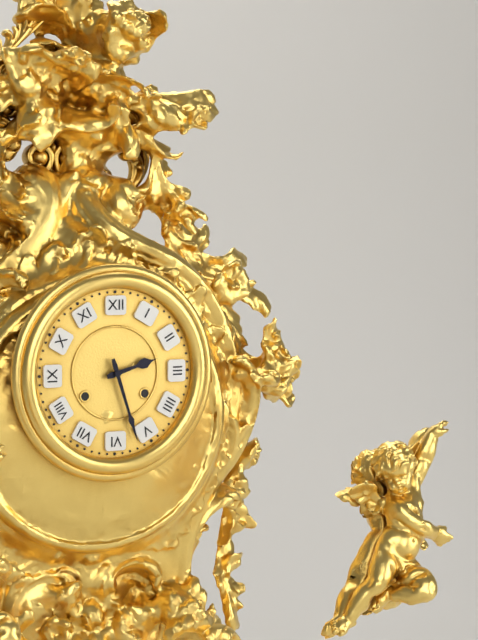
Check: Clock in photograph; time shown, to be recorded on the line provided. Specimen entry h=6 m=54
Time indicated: h=2 m=27
